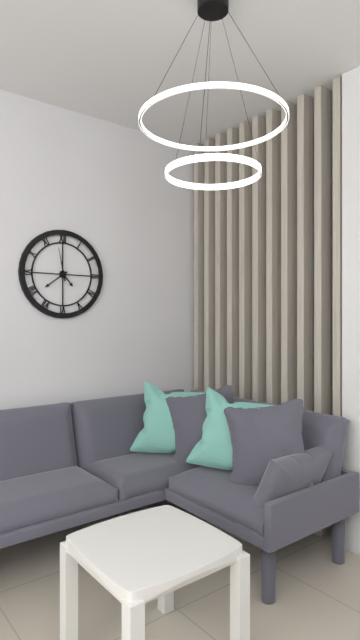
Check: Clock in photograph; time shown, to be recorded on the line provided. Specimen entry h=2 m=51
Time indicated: h=4 m=39
